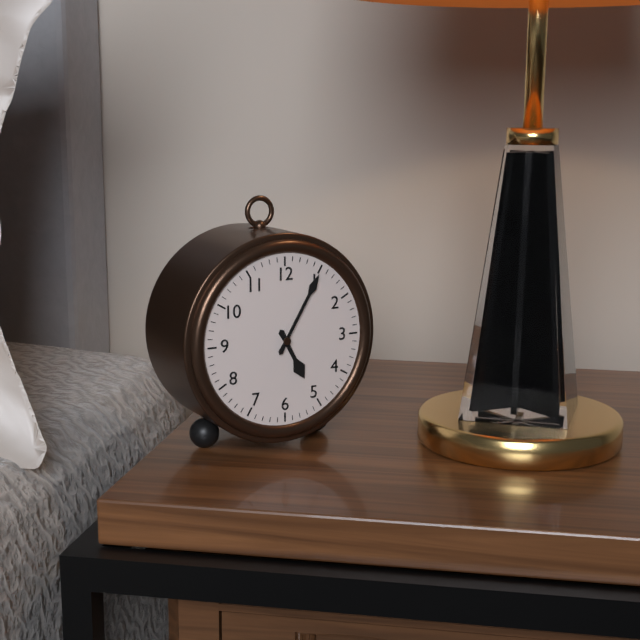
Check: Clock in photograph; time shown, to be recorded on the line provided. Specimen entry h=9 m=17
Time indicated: h=5 m=5
